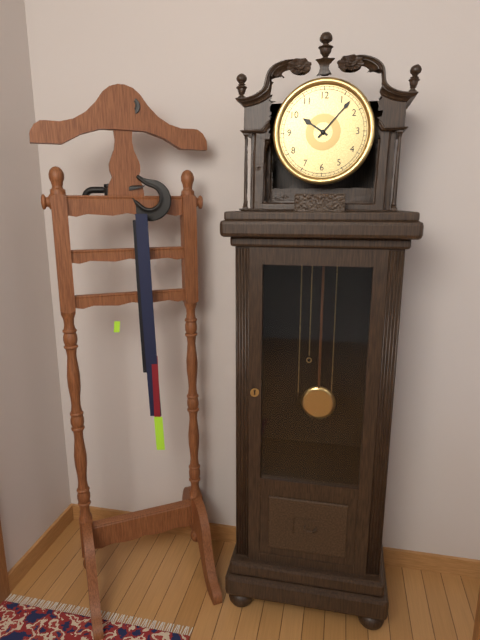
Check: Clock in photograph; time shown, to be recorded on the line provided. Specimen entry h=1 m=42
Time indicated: h=10 m=7
